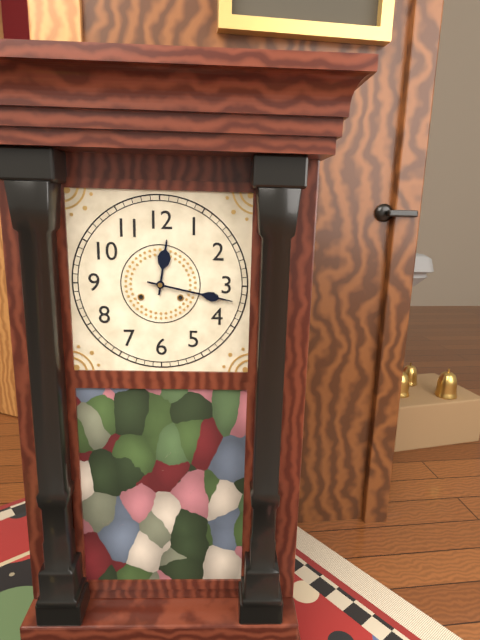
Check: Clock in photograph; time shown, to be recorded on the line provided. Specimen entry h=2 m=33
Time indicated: h=12 m=17
